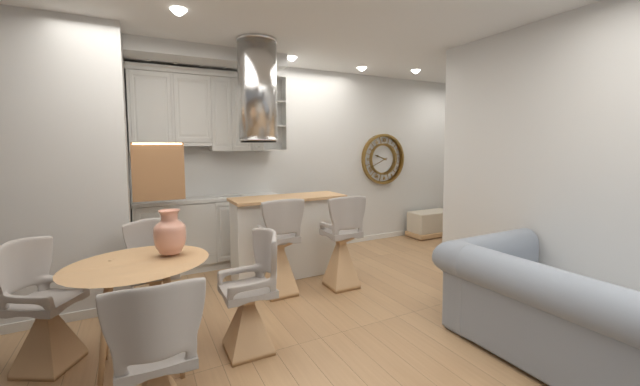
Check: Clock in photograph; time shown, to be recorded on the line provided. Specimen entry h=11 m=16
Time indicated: h=9 m=41
